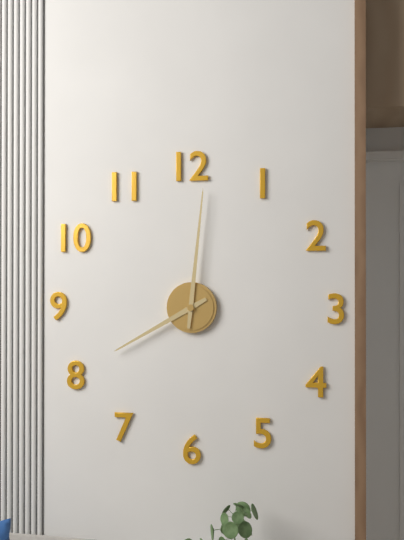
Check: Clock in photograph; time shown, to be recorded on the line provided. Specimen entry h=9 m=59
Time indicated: h=8 m=1
